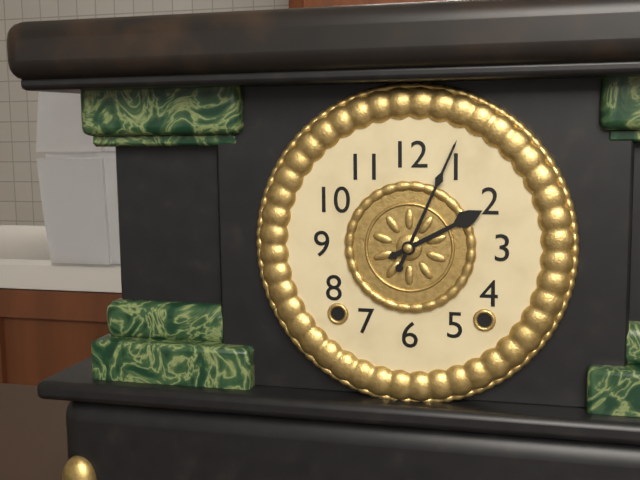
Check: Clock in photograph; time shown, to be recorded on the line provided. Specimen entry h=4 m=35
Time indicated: h=2 m=4
